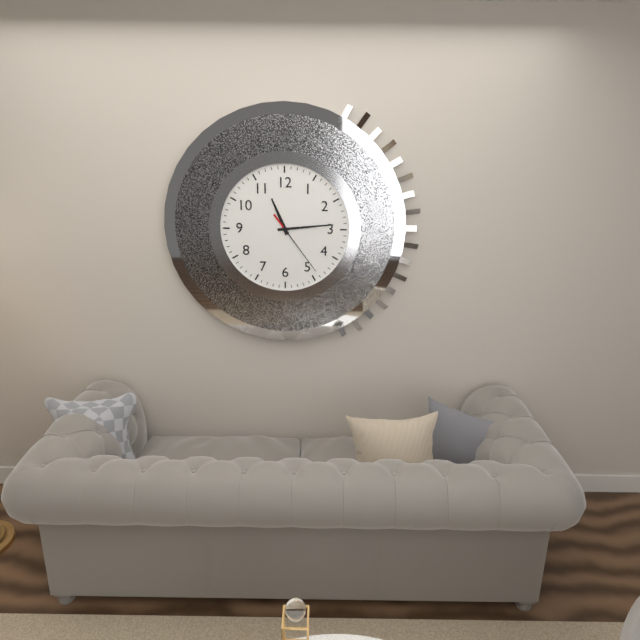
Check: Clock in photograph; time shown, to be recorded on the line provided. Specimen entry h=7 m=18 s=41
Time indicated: h=11 m=14 s=24
